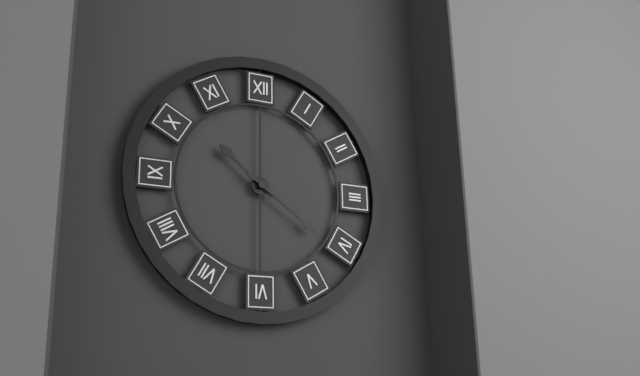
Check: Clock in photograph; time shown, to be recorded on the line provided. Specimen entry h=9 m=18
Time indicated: h=10 m=21
